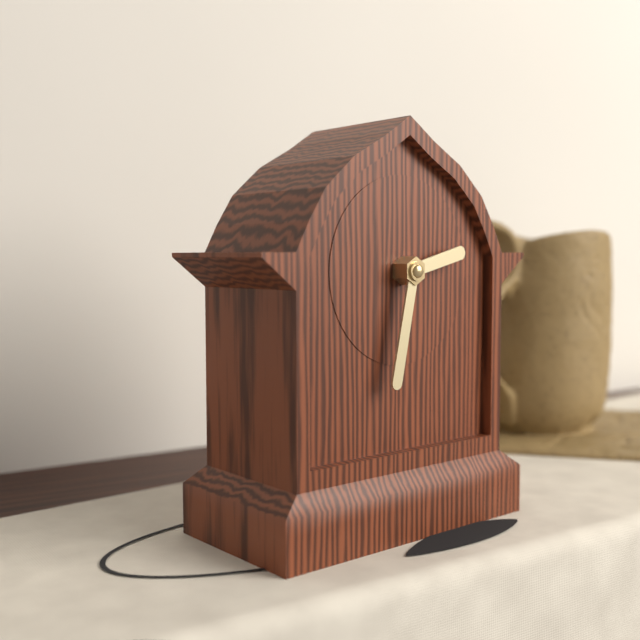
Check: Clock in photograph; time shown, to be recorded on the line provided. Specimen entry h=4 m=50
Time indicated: h=2 m=32
